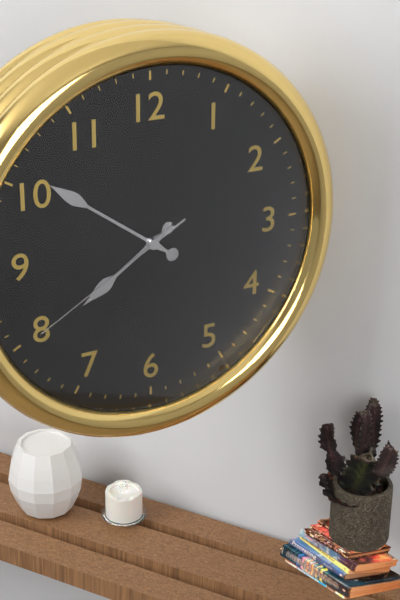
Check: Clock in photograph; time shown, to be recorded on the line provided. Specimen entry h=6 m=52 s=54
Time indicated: h=7 m=51 s=40
